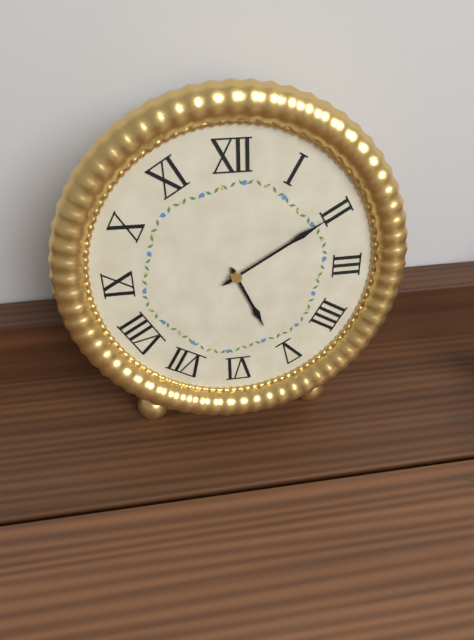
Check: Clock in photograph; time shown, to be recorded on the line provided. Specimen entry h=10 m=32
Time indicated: h=5 m=10
